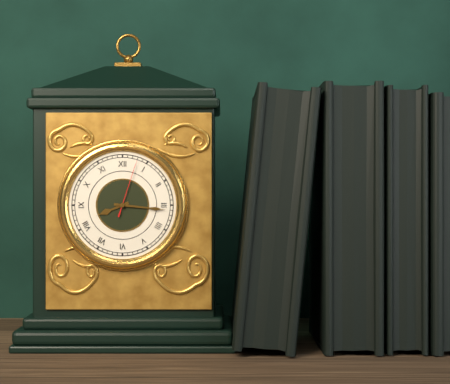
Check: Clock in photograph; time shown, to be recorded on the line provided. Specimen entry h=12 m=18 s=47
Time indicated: h=8 m=16 s=3
